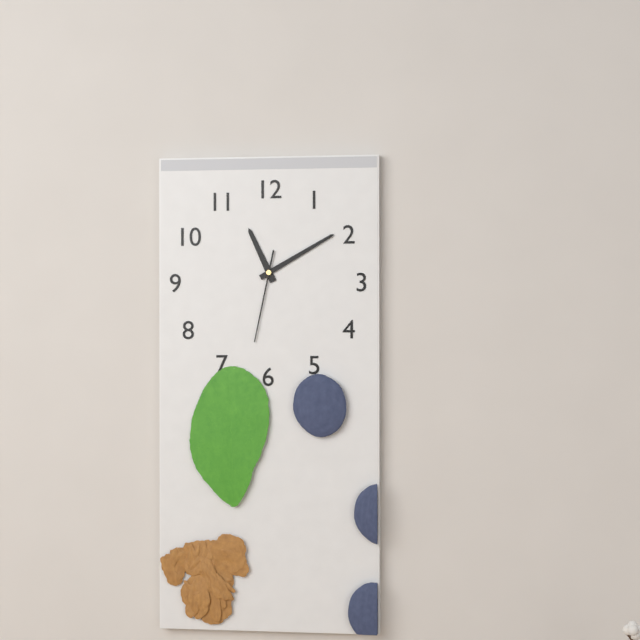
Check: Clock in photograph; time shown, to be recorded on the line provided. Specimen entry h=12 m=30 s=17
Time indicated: h=11 m=10 s=32
